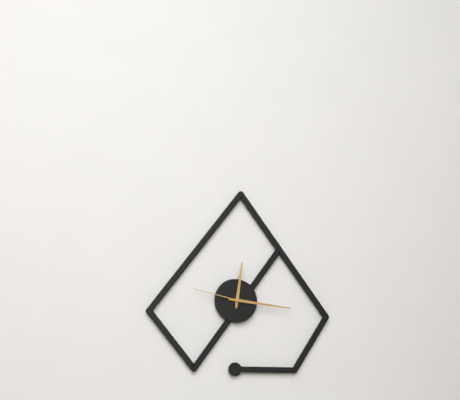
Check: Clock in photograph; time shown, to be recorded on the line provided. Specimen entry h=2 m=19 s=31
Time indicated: h=12 m=16 s=47
